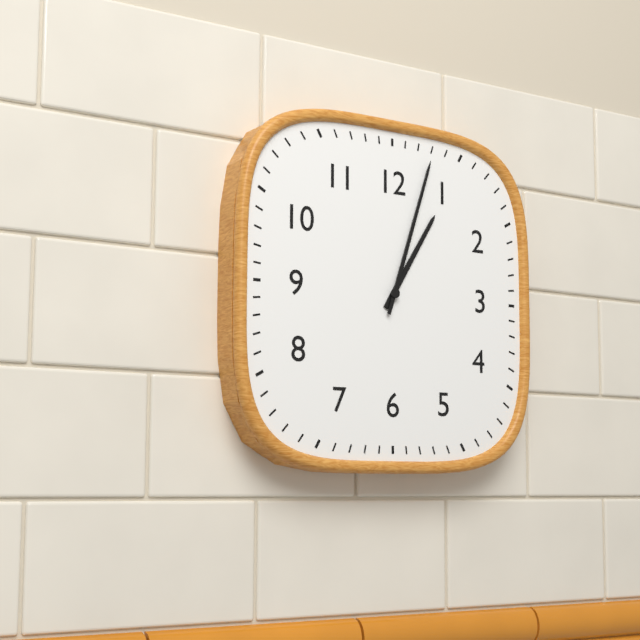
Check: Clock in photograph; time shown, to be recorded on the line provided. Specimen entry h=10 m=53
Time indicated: h=1 m=3
